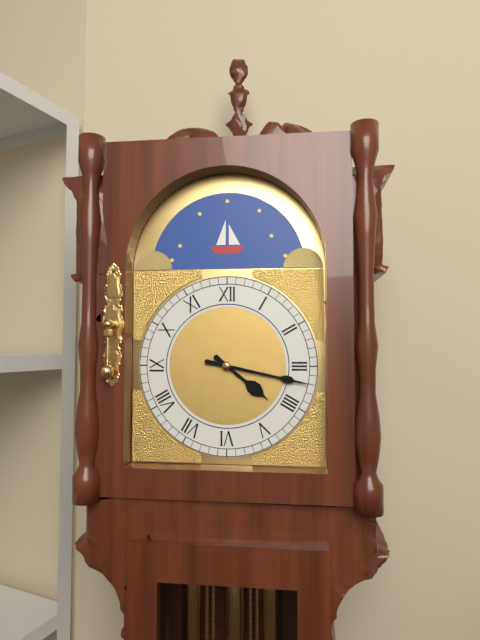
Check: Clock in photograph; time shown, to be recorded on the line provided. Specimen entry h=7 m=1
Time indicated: h=4 m=17
